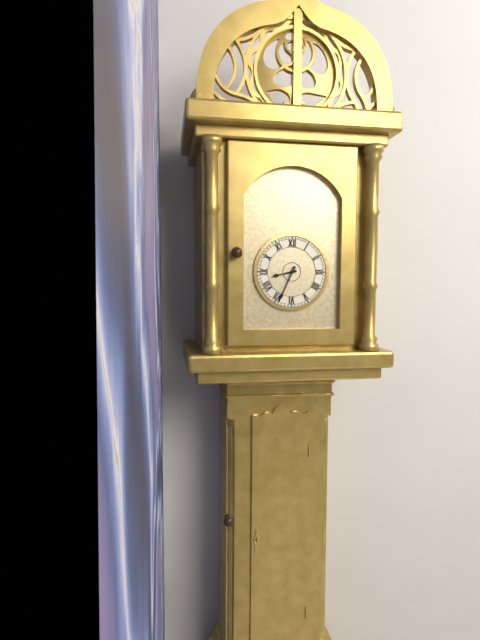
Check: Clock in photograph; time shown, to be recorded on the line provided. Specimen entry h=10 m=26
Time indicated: h=8 m=34
